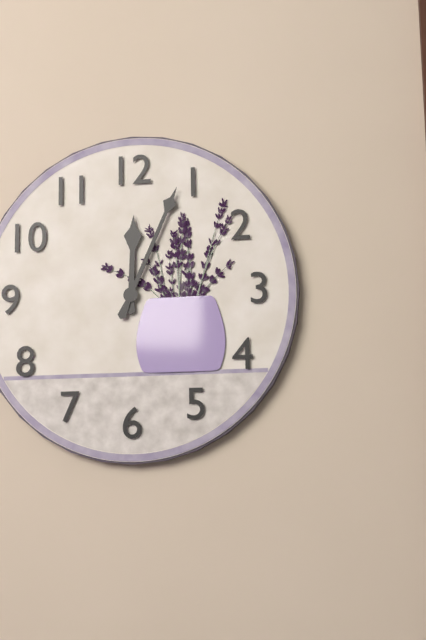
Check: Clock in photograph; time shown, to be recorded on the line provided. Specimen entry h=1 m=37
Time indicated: h=12 m=4
